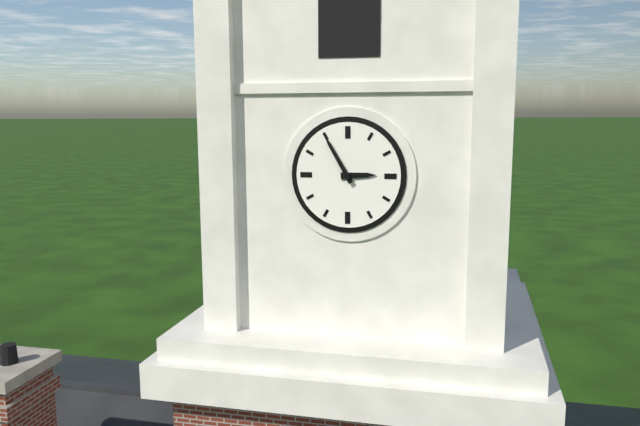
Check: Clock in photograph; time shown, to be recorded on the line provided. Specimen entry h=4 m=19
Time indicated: h=2 m=55
